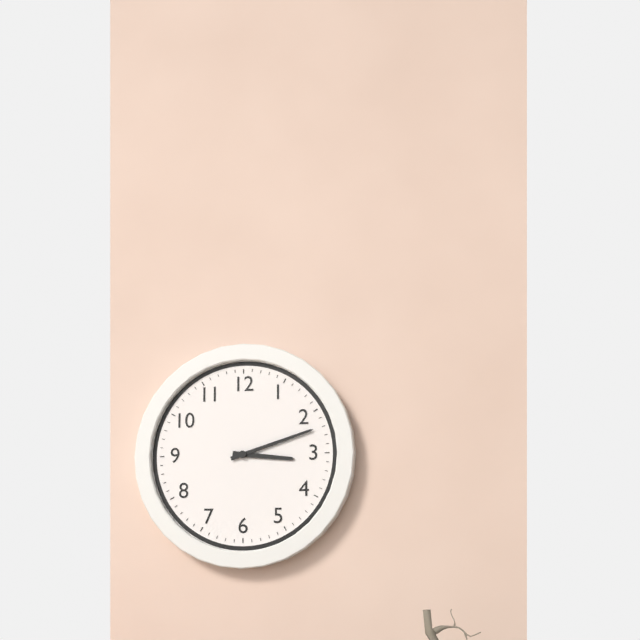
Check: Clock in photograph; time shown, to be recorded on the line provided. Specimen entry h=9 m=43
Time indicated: h=3 m=12
